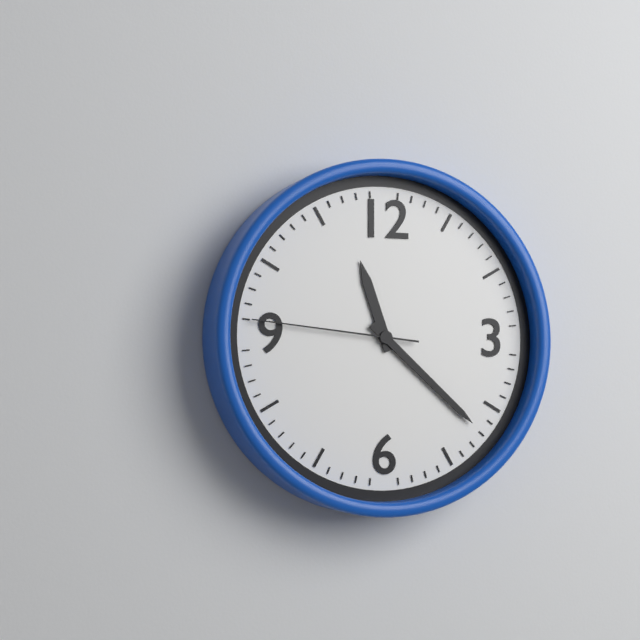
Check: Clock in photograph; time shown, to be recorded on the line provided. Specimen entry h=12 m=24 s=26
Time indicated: h=11 m=22 s=46
